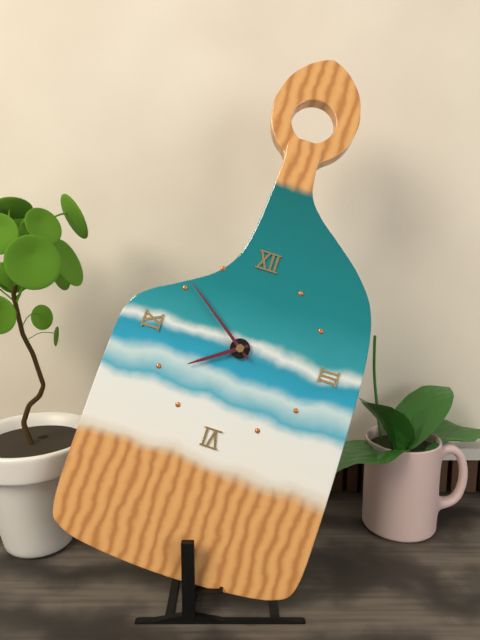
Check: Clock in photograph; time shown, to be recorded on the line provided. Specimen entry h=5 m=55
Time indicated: h=7 m=51
